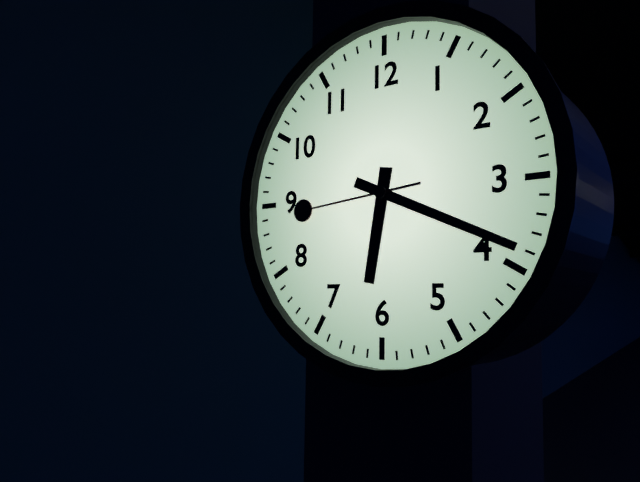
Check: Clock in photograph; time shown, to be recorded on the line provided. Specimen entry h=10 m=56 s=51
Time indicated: h=6 m=19 s=44
